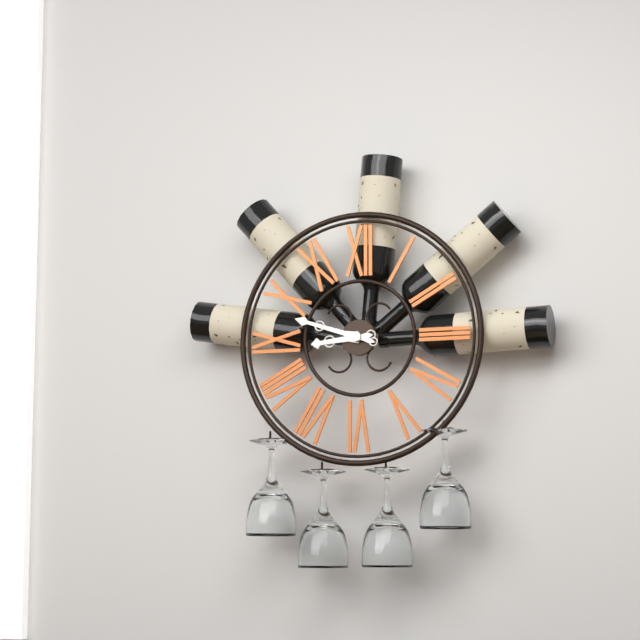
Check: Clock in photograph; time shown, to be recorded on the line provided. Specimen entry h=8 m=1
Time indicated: h=8 m=48
